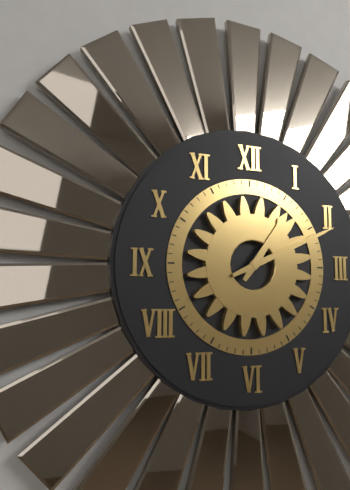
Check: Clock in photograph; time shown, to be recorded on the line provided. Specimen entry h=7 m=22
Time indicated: h=1 m=11
